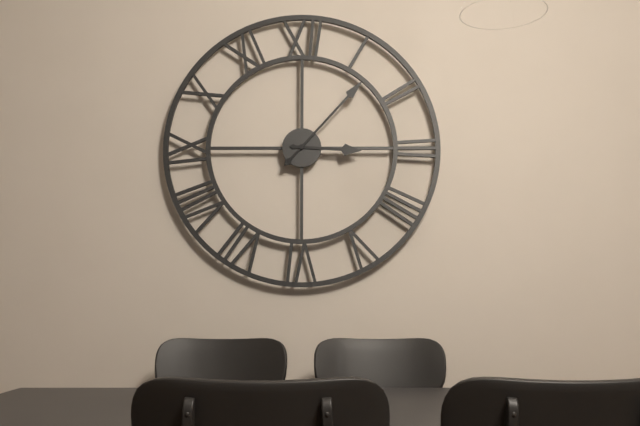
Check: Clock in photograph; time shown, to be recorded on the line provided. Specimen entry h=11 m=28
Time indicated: h=3 m=7
